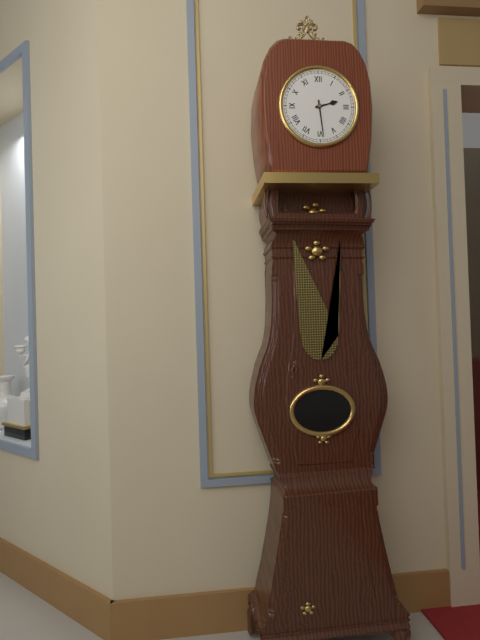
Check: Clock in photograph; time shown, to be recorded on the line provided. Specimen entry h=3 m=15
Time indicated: h=2 m=29
